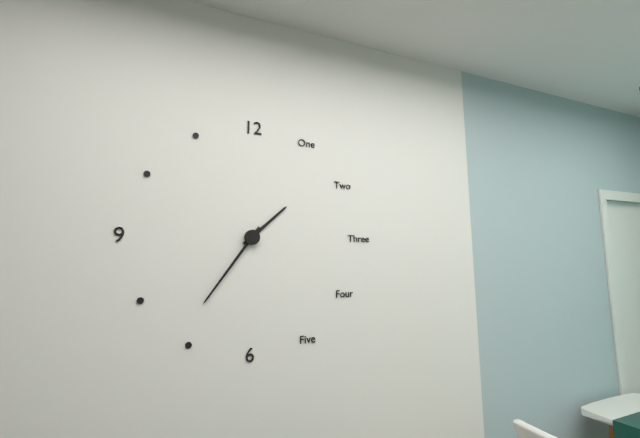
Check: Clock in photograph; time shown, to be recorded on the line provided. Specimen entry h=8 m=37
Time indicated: h=1 m=36
